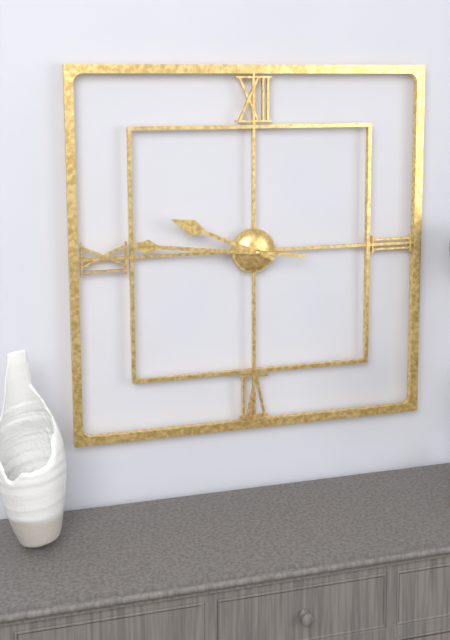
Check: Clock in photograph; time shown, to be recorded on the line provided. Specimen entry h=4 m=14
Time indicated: h=9 m=46
